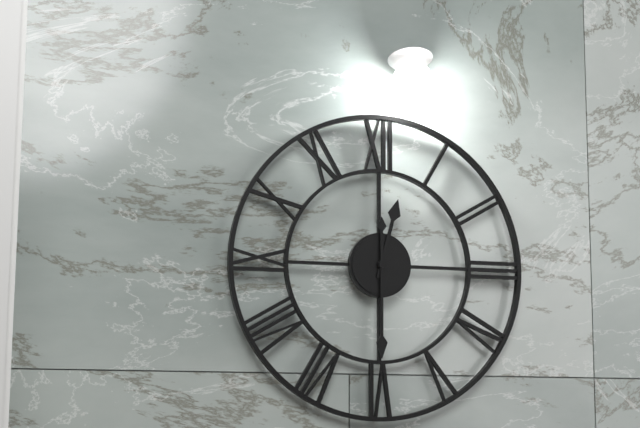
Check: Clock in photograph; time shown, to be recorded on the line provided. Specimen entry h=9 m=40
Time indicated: h=12 m=30
